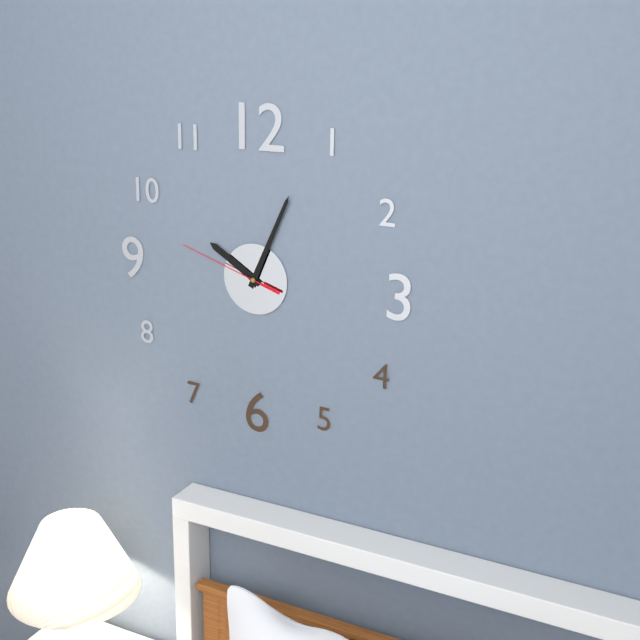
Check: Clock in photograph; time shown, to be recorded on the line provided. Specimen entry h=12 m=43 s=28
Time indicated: h=10 m=4 s=48
